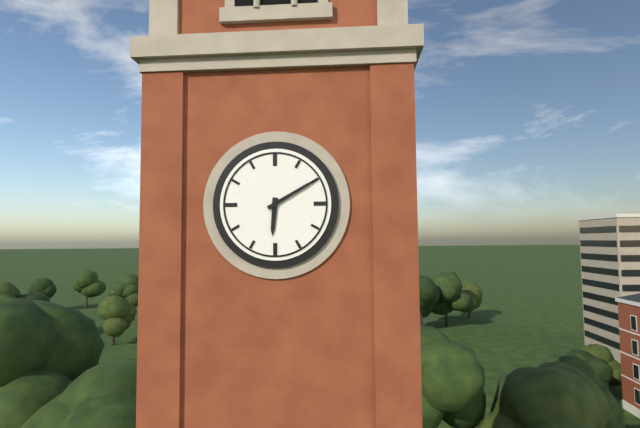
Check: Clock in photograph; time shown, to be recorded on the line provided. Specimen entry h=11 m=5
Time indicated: h=6 m=10
